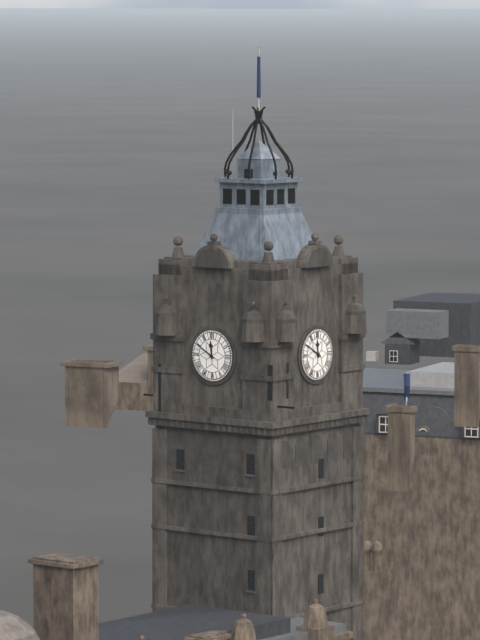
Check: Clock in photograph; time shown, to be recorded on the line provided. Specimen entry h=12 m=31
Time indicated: h=11 m=50
